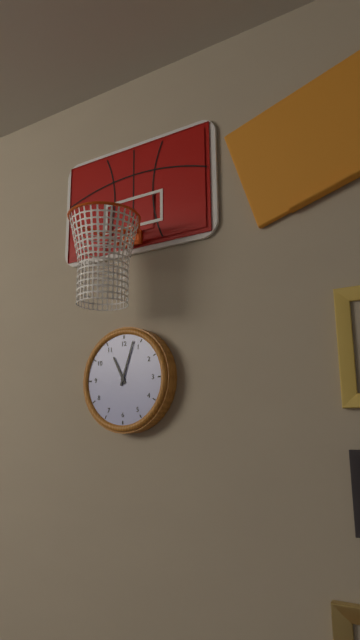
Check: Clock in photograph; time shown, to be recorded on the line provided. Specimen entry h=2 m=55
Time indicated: h=11 m=3
